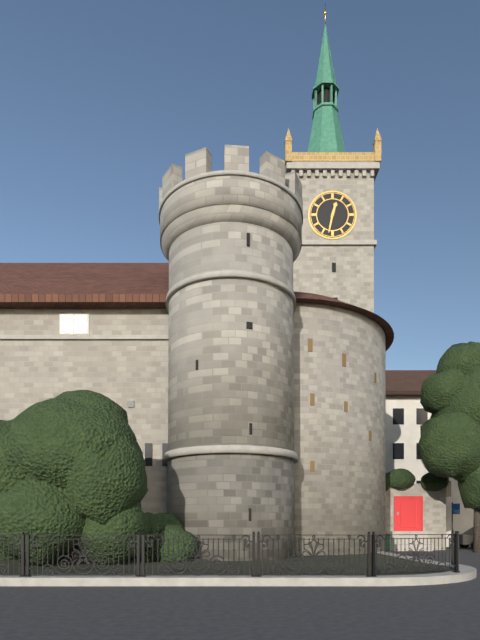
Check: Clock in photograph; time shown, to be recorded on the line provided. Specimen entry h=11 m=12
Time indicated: h=12 m=32
